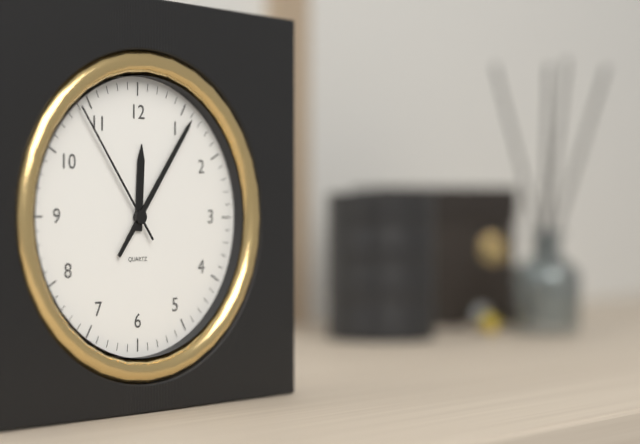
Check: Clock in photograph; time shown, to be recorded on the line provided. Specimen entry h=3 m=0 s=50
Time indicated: h=12 m=6 s=54
